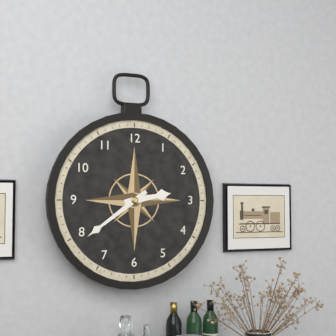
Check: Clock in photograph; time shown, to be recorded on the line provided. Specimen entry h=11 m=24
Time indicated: h=2 m=39
